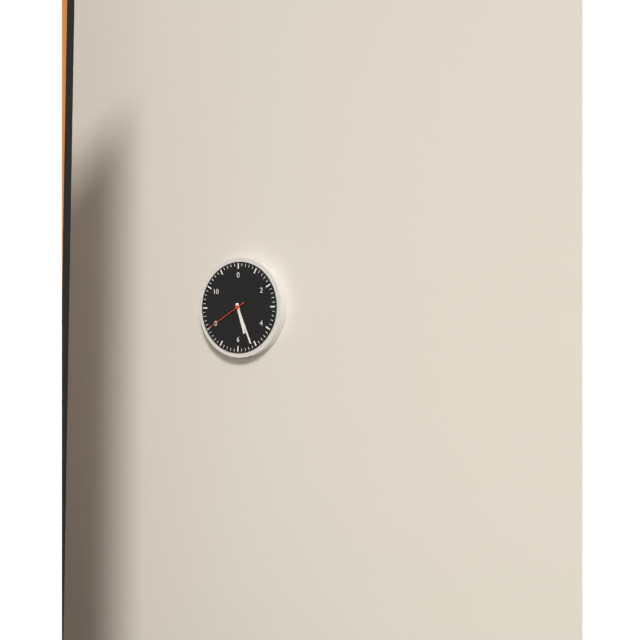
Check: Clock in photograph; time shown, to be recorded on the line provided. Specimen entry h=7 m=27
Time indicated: h=5 m=26
